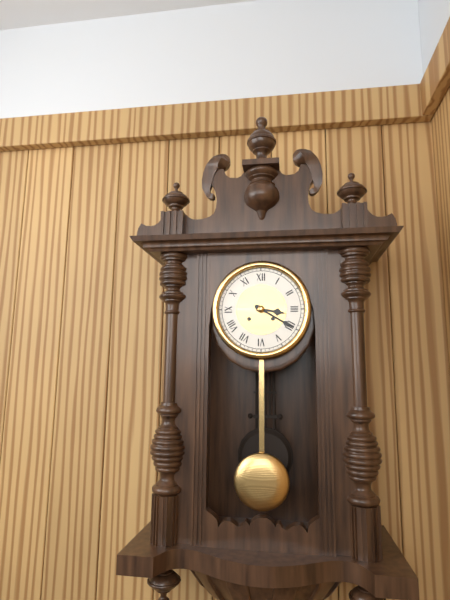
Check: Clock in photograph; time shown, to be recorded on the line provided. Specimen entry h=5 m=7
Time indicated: h=3 m=20
